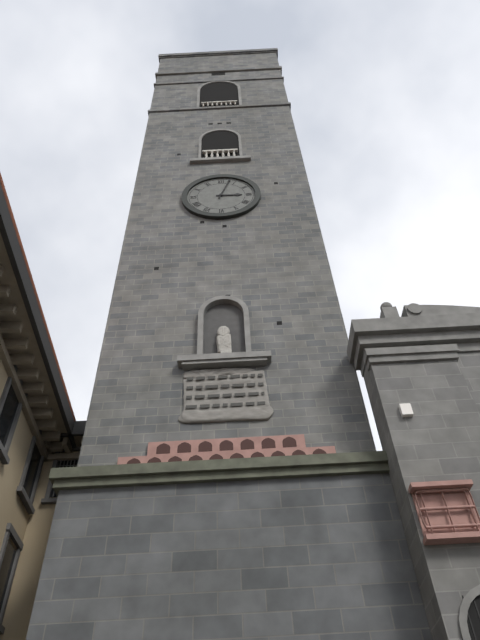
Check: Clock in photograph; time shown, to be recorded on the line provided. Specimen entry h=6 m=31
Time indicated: h=3 m=3
